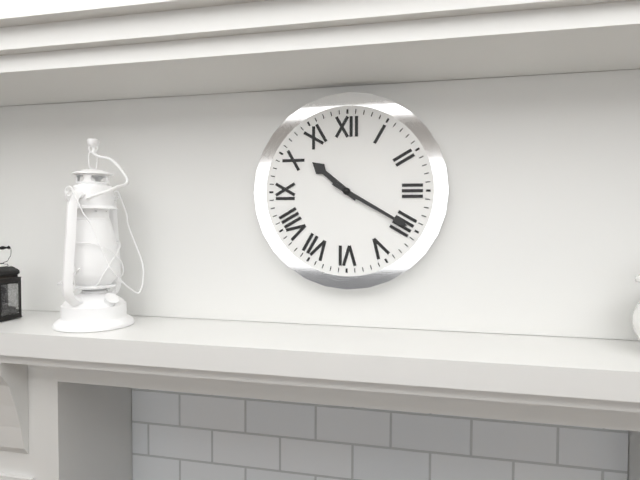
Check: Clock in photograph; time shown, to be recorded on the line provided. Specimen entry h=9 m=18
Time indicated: h=10 m=20
